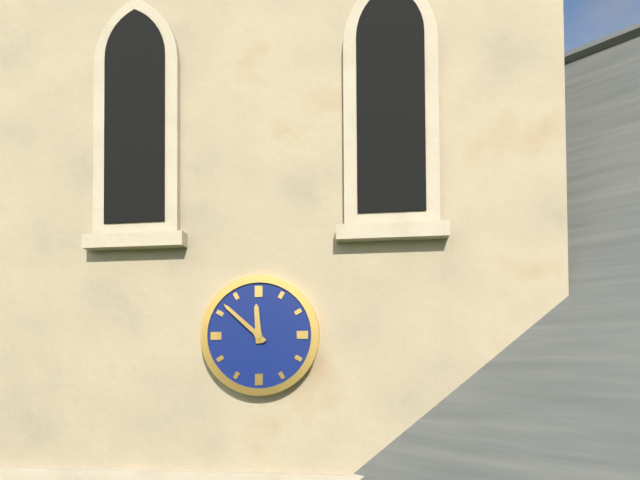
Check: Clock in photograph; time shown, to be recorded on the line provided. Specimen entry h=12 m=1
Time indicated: h=11 m=52
